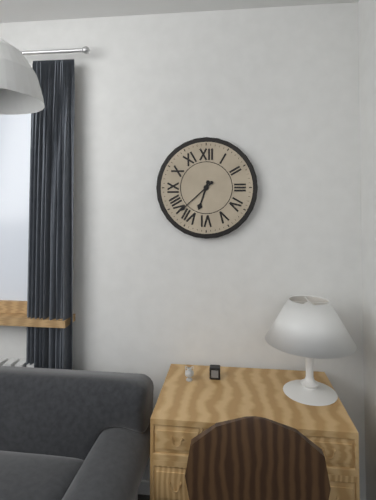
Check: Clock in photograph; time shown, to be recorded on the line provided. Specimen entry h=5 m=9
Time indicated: h=6 m=38
